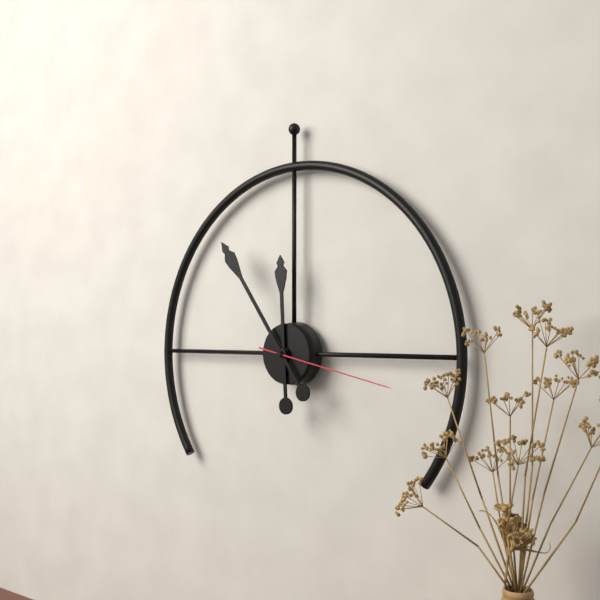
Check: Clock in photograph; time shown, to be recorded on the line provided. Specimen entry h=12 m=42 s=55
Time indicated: h=11 m=54 s=17
